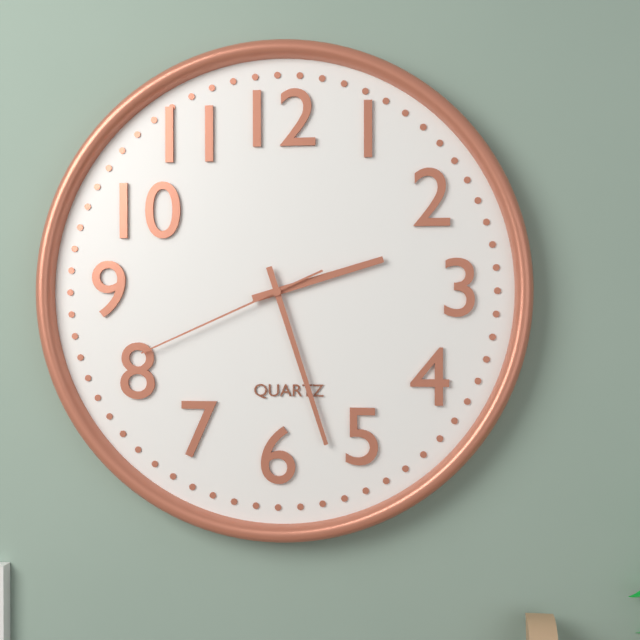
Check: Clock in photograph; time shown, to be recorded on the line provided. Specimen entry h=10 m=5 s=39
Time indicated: h=2 m=27 s=41
